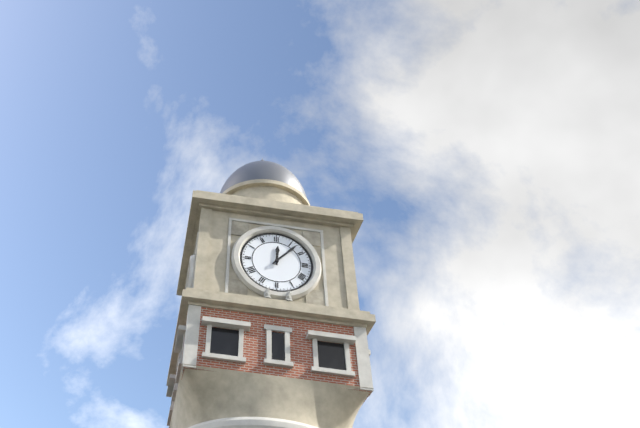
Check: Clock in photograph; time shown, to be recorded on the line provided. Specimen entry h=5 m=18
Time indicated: h=12 m=7
